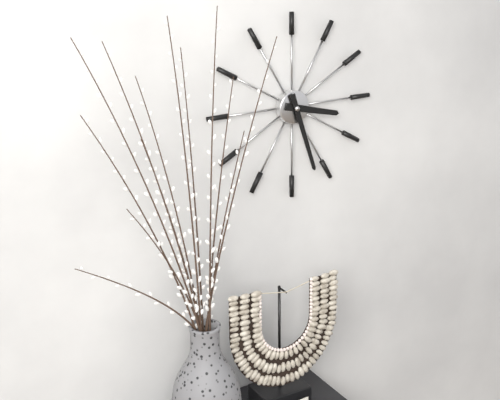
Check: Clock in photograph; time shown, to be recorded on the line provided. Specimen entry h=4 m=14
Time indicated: h=3 m=27
